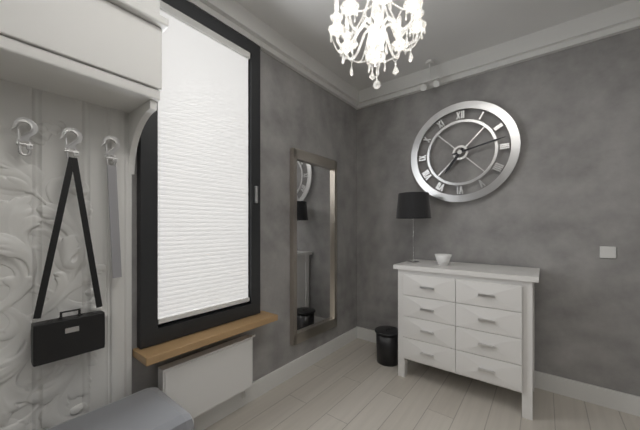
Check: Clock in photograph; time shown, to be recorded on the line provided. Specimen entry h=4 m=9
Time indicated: h=7 m=13
